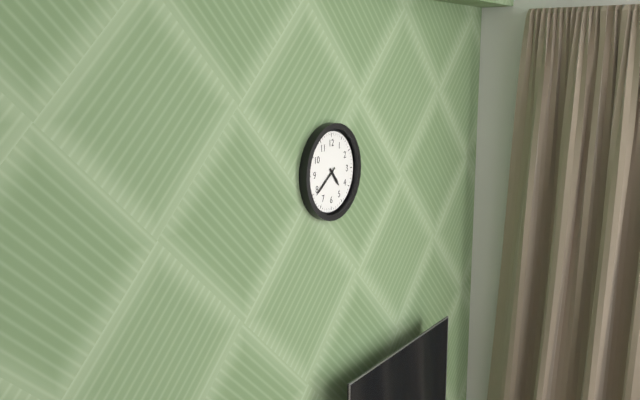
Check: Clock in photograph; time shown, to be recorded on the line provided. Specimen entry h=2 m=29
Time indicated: h=4 m=39
